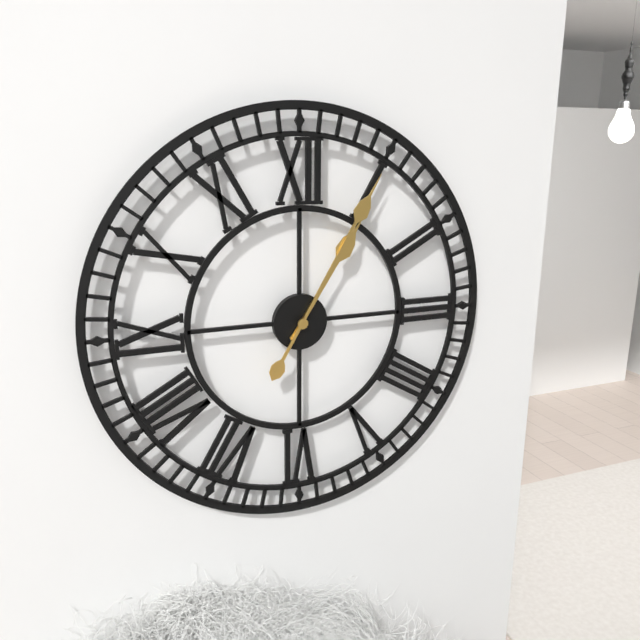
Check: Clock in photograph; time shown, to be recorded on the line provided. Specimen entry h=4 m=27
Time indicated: h=1 m=5
